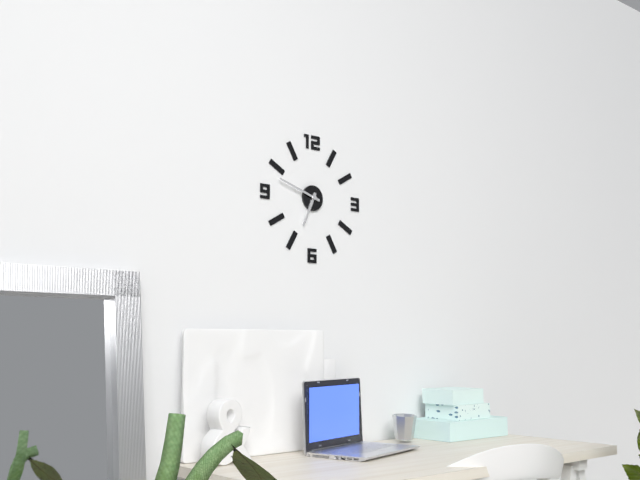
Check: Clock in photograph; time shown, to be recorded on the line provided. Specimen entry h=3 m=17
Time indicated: h=6 m=48
